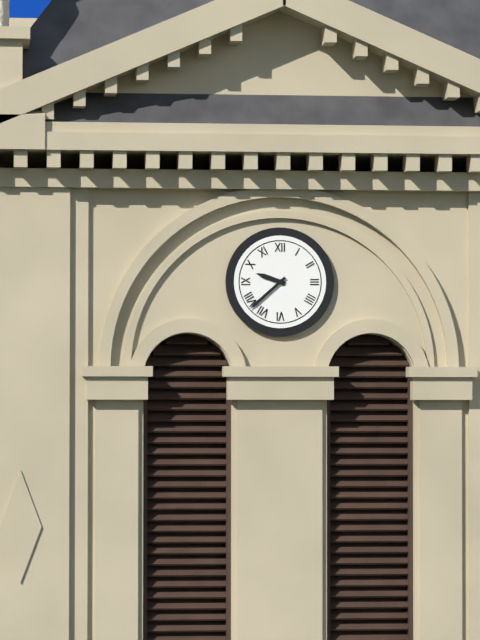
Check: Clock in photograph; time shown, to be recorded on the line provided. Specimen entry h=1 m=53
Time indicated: h=9 m=38
